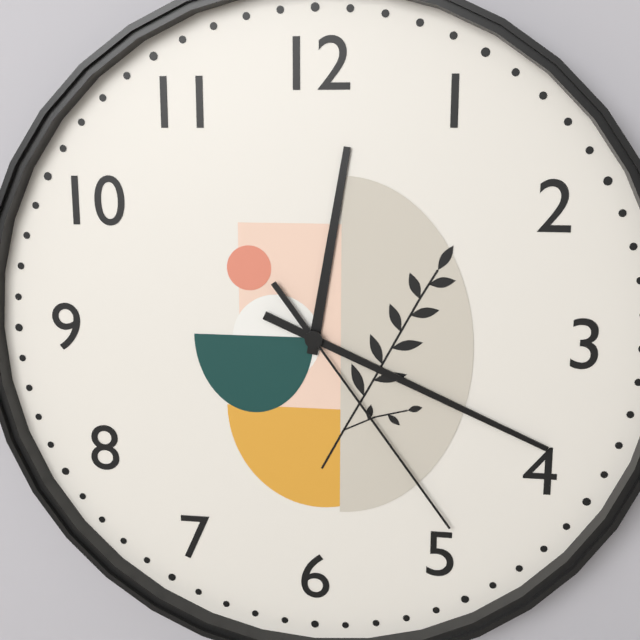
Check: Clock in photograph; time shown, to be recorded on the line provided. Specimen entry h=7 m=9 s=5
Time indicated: h=12 m=19 s=24
